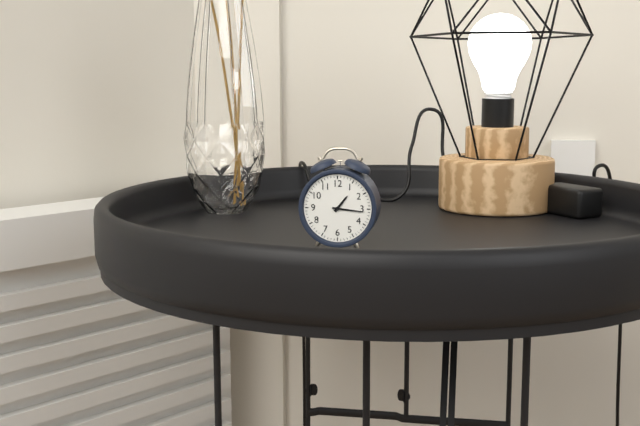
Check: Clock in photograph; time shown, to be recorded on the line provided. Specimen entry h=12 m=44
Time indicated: h=1 m=16
